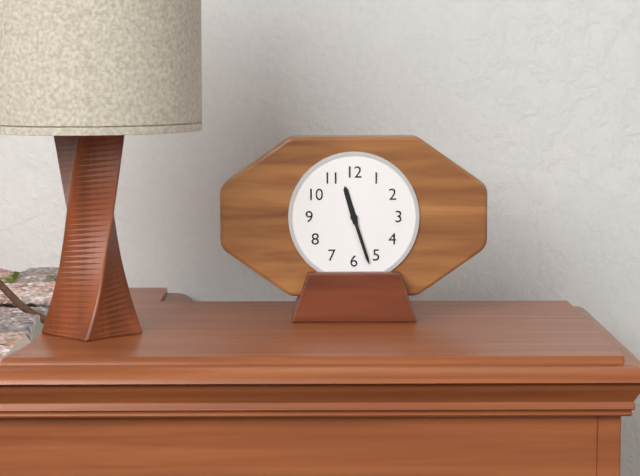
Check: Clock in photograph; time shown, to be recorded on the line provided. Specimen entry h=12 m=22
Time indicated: h=11 m=27
